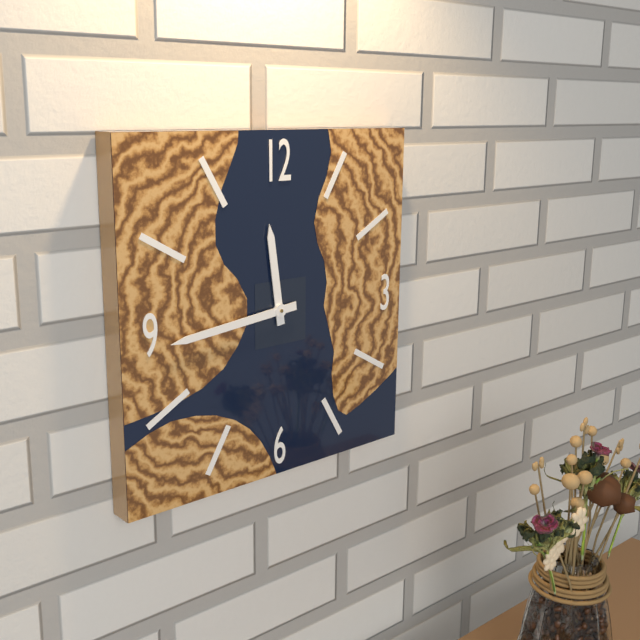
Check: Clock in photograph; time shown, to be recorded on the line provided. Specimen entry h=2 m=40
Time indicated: h=11 m=44
